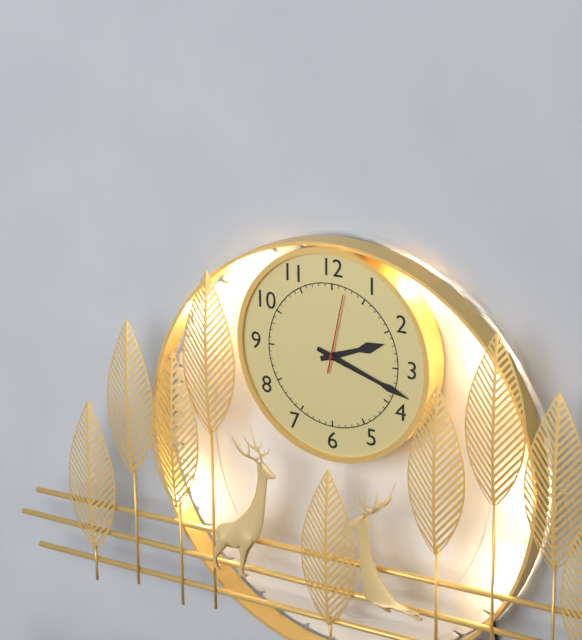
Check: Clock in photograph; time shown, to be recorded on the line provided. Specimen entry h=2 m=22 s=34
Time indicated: h=2 m=18 s=2
